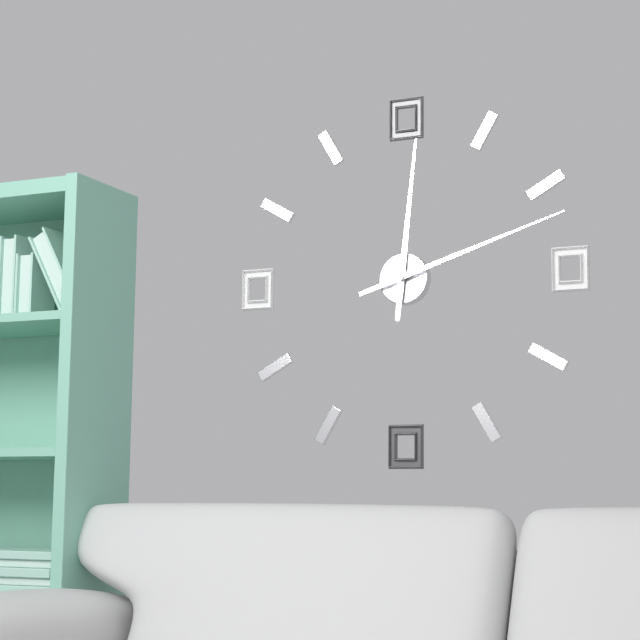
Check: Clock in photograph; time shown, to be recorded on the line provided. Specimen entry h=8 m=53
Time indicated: h=12 m=12
